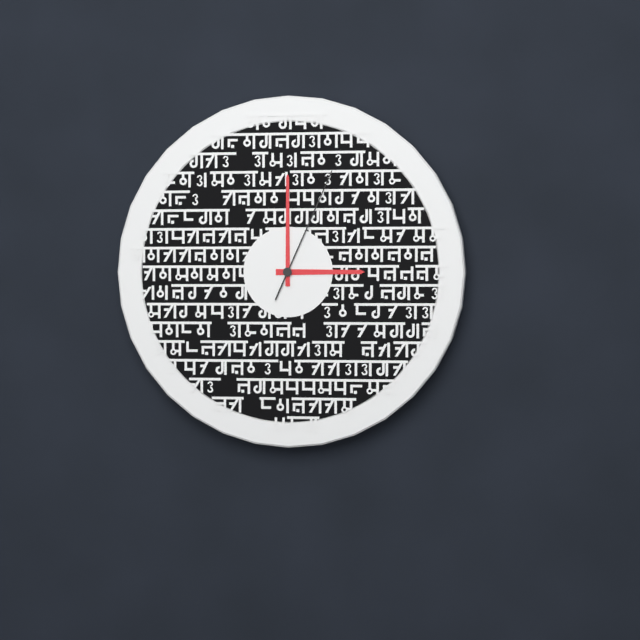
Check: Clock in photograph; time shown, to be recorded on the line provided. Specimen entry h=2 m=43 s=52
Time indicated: h=3 m=0 s=4
